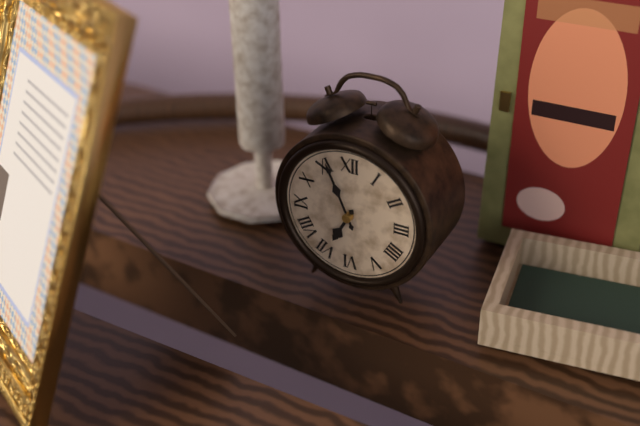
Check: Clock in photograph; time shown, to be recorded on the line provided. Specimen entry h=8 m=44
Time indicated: h=6 m=56
